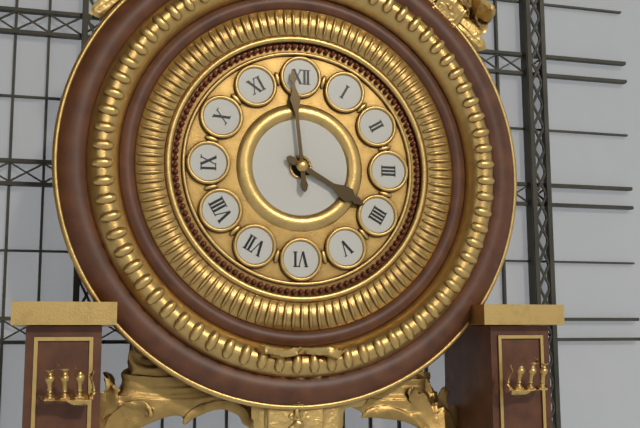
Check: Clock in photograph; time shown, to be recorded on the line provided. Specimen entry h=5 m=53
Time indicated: h=3 m=59
